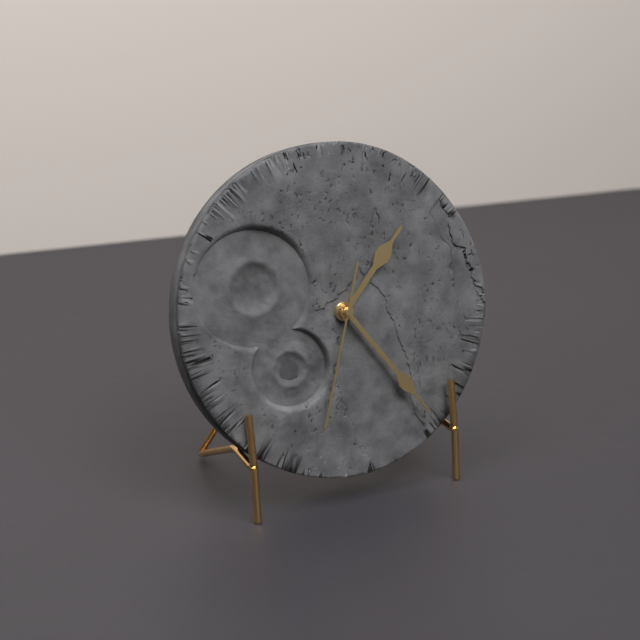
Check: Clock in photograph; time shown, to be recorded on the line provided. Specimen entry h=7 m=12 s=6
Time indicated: h=1 m=24 s=33
